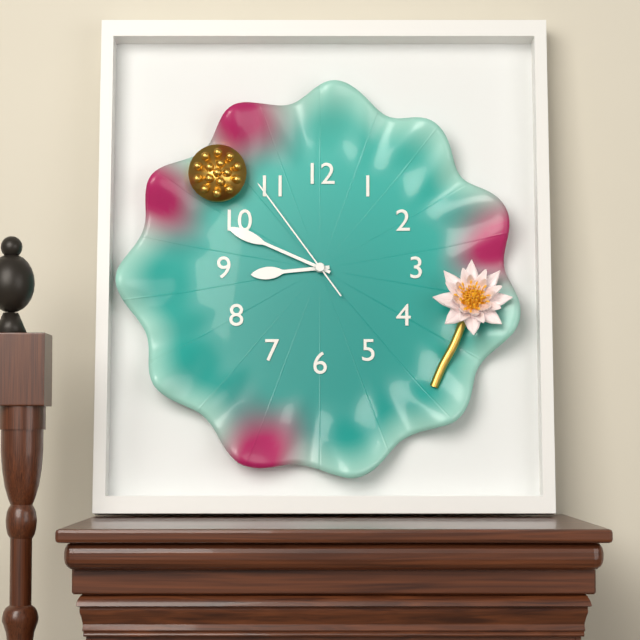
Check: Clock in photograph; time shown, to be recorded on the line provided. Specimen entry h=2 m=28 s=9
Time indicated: h=8 m=49 s=54
